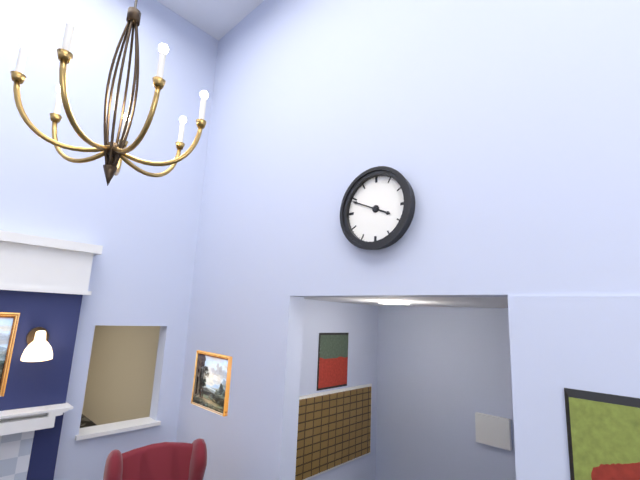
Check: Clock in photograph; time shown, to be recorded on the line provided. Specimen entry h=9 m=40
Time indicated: h=3 m=49
